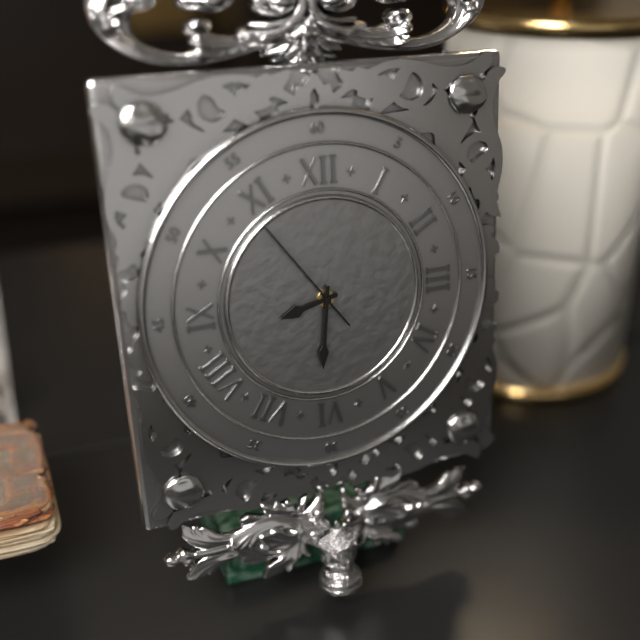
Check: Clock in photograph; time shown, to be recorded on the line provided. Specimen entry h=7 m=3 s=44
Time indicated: h=8 m=31 s=54
